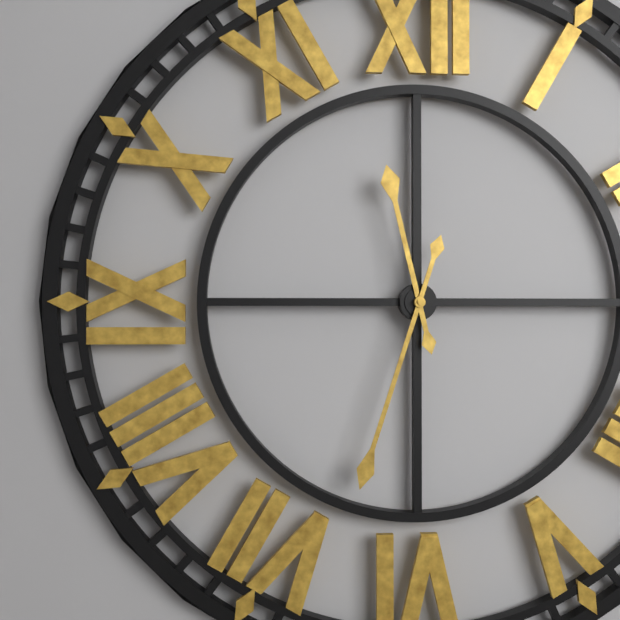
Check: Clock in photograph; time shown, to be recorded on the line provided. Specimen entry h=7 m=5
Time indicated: h=11 m=33
